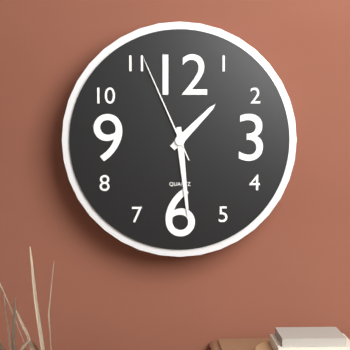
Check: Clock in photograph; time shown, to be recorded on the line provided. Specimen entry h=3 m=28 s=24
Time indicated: h=1 m=29 s=56
